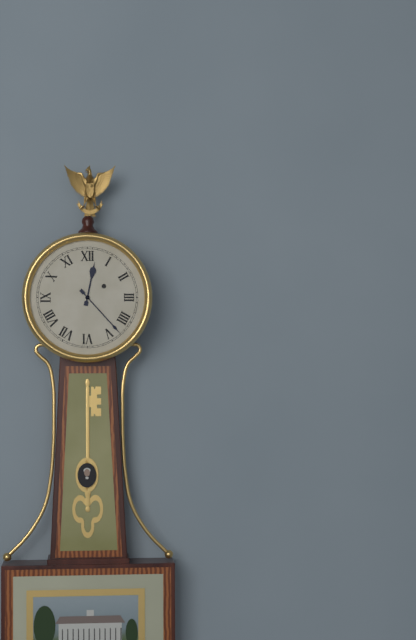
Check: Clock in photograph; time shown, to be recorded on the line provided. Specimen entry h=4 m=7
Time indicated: h=12 m=23
